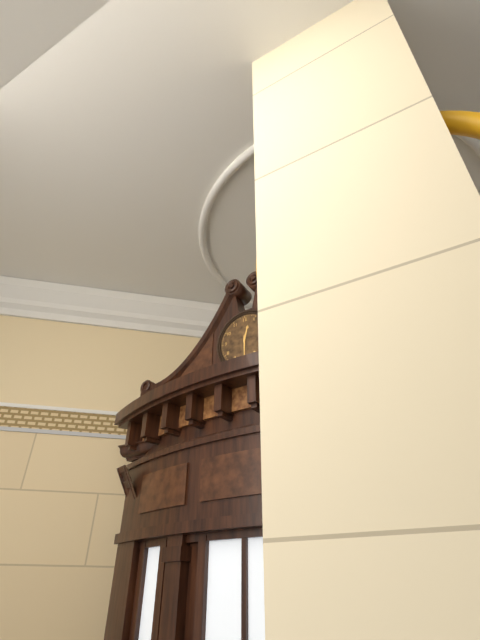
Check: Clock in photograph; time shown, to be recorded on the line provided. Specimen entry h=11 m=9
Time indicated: h=12 m=30
